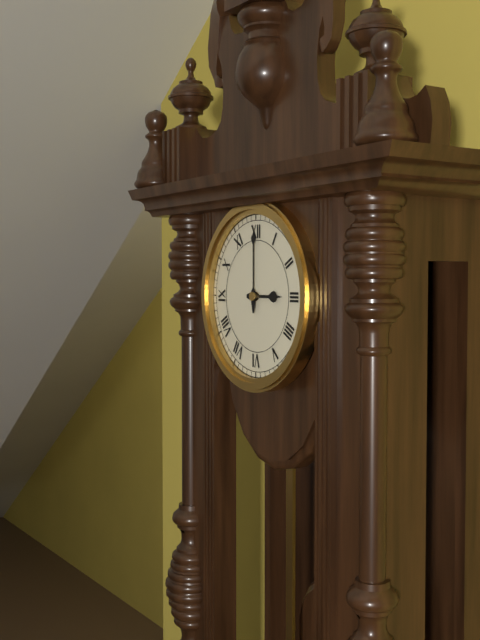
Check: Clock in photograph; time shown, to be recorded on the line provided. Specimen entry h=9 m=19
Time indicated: h=3 m=0
